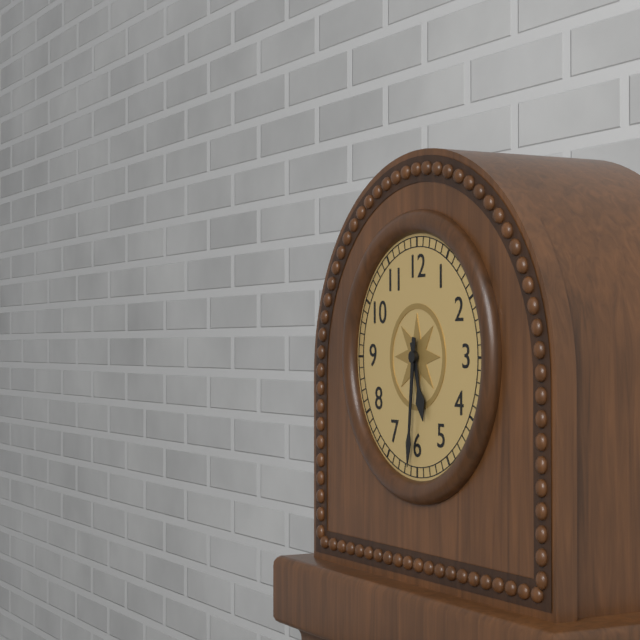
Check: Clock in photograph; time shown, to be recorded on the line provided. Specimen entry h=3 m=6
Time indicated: h=5 m=31
